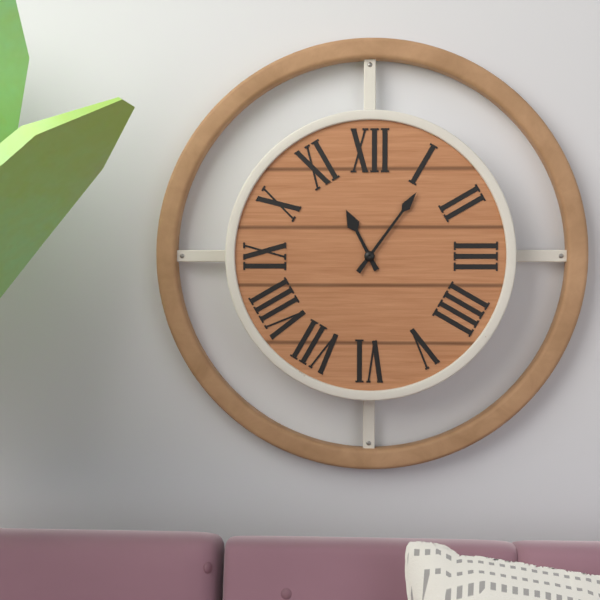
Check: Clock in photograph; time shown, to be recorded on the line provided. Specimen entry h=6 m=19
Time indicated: h=11 m=6
